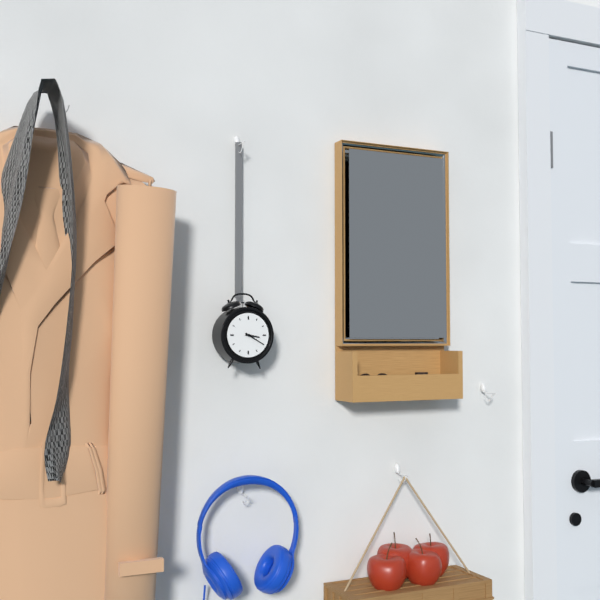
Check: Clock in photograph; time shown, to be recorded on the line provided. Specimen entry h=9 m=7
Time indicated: h=3 m=20
